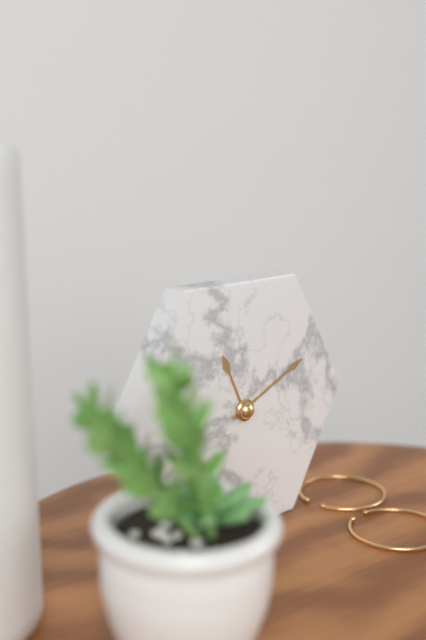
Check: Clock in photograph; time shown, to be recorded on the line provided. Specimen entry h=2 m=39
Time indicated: h=11 m=11
